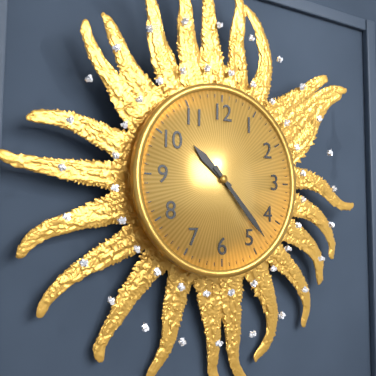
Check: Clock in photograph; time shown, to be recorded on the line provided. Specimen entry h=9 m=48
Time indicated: h=10 m=23
